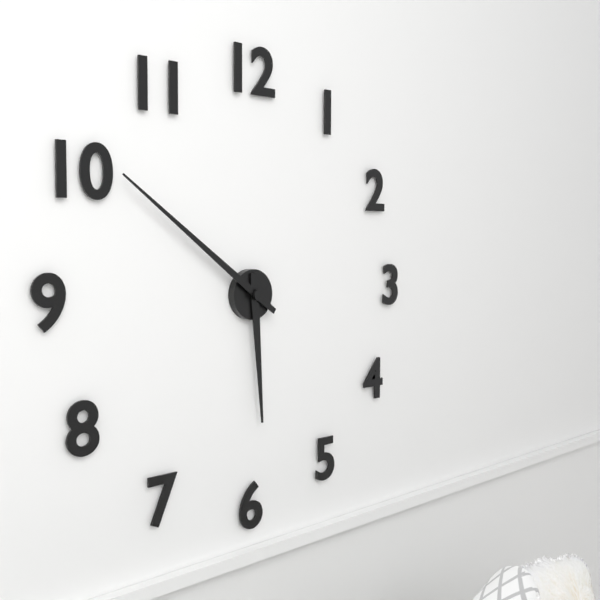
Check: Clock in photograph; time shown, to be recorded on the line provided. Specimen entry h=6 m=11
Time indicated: h=5 m=51
